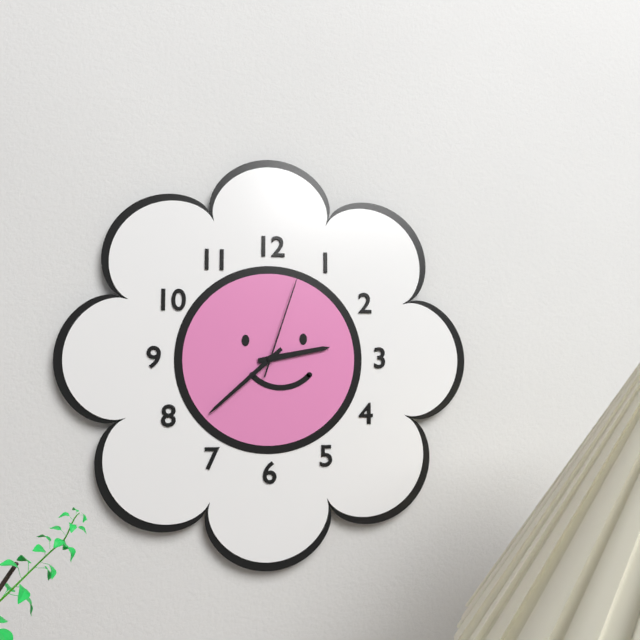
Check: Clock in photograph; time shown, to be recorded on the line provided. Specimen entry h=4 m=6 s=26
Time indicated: h=2 m=38 s=3
